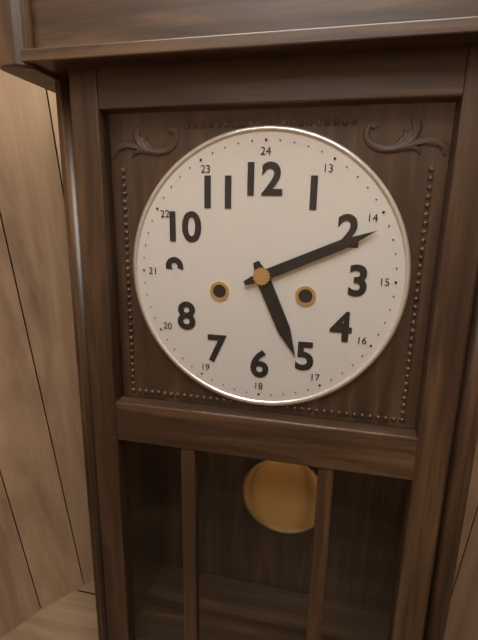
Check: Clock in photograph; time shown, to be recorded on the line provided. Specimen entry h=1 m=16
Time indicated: h=5 m=11
